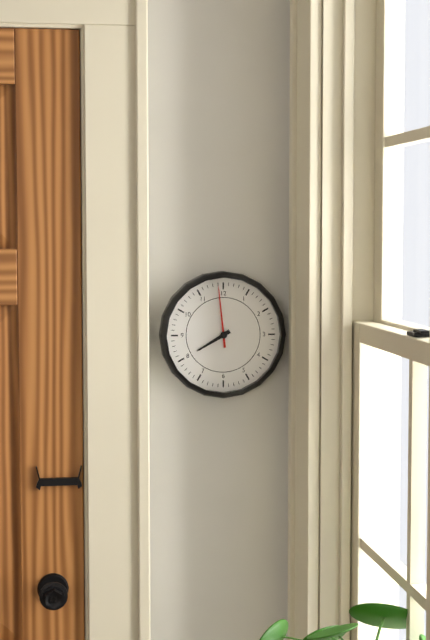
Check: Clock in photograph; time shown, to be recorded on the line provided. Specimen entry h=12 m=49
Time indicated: h=7 m=59
